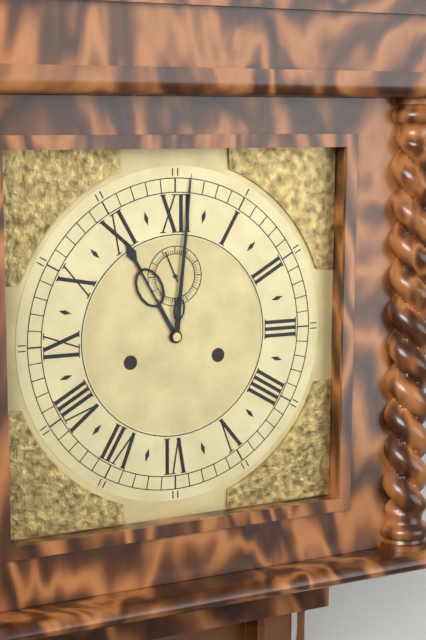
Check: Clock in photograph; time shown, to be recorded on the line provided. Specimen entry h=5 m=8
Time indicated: h=11 m=1
